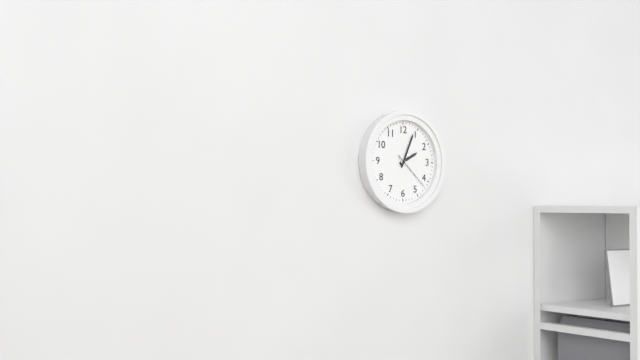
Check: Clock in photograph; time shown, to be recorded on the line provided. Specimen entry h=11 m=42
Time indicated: h=2 m=4
